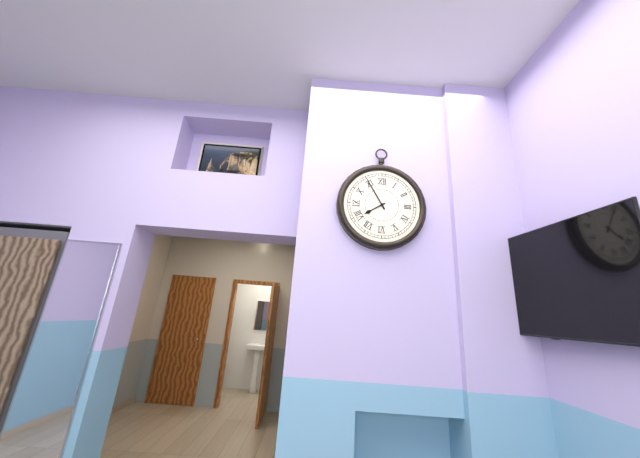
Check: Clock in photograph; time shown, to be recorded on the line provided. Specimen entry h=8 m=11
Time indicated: h=7 m=55
